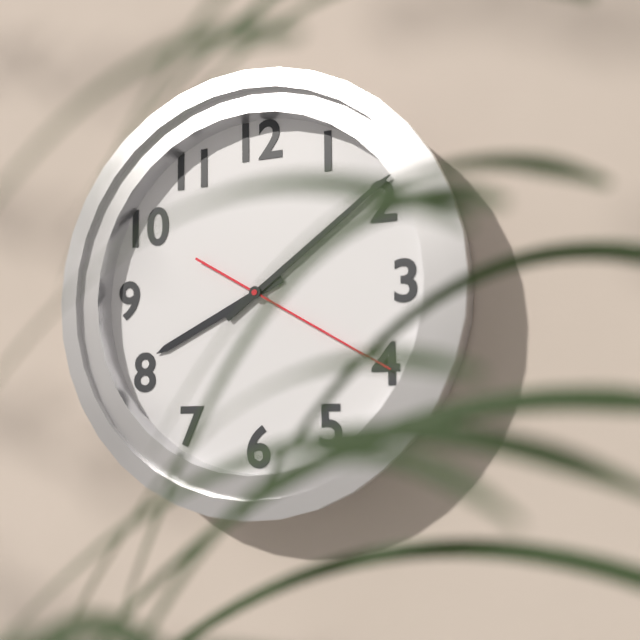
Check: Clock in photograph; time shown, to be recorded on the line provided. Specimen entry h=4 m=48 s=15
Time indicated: h=8 m=9 s=20
